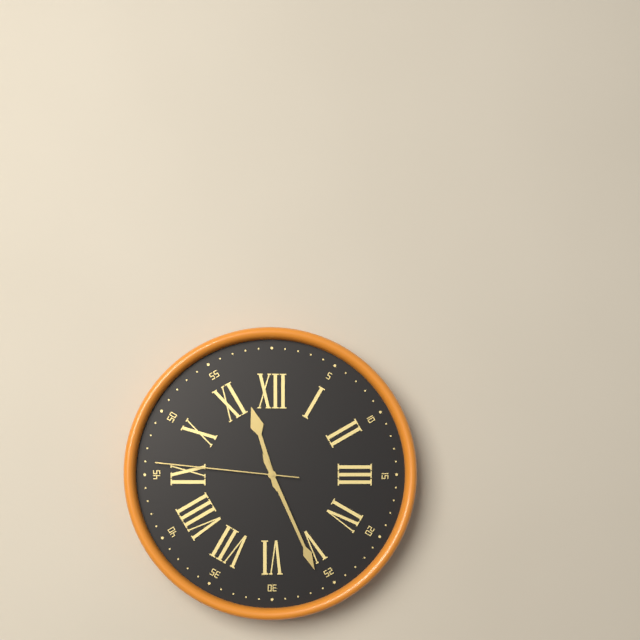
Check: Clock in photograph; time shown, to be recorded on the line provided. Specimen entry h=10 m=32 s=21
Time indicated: h=11 m=26 s=46
